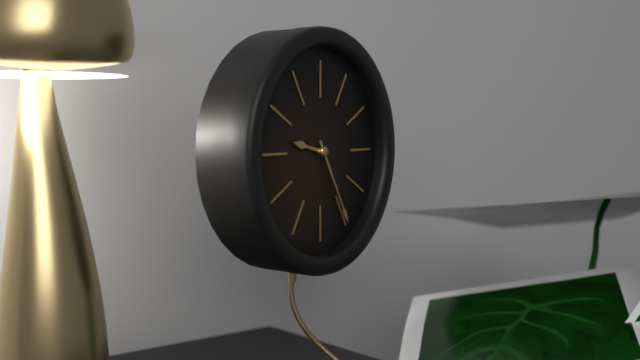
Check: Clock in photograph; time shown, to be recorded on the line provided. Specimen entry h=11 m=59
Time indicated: h=9 m=25
